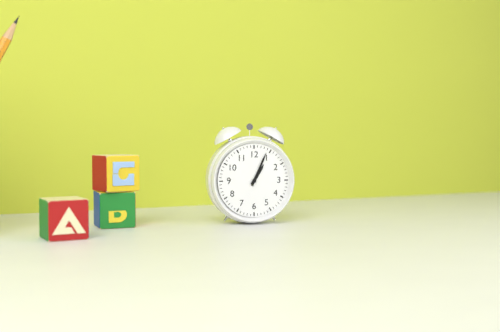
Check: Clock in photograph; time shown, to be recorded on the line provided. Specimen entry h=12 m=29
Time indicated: h=1 m=4
